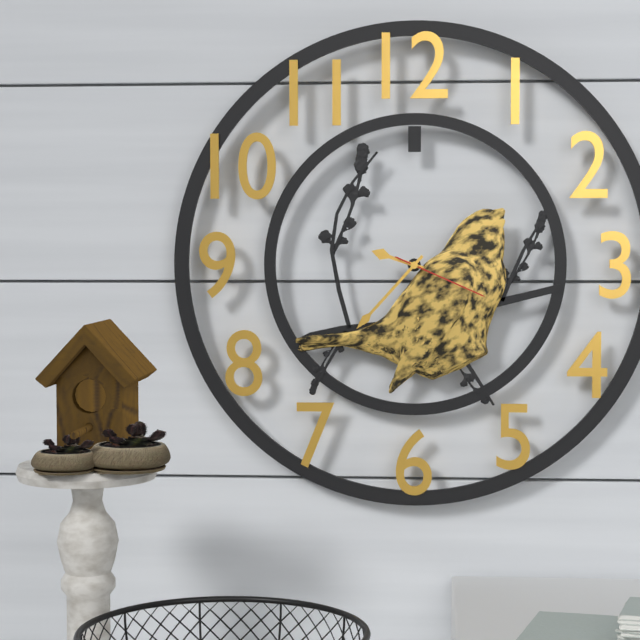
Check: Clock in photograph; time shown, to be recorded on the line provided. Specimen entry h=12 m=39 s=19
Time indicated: h=9 m=37 s=19
